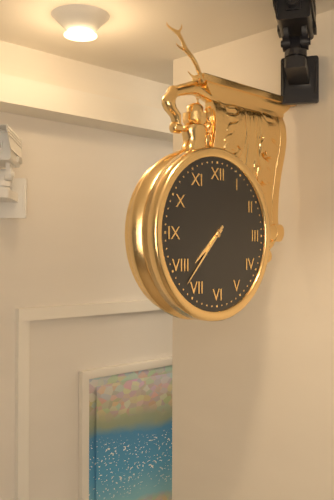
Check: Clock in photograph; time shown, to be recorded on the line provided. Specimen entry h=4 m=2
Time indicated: h=7 m=37
